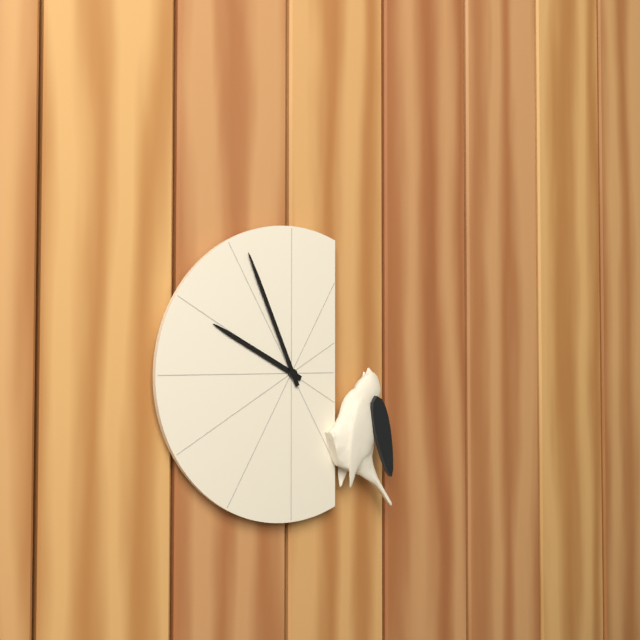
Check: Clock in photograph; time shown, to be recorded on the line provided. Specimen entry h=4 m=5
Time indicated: h=9 m=56
